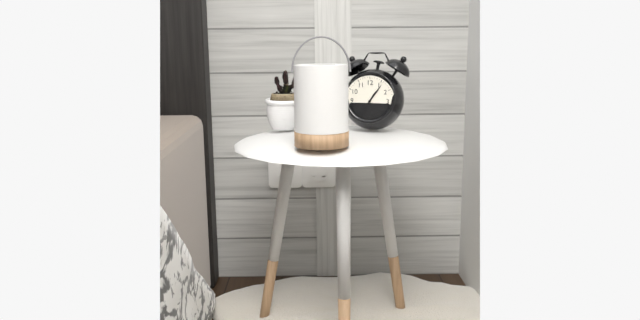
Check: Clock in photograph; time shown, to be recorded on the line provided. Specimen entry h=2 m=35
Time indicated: h=1 m=6
